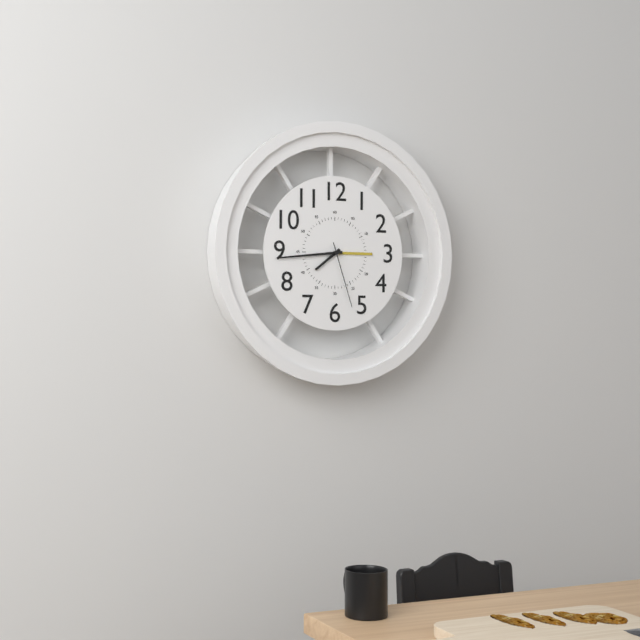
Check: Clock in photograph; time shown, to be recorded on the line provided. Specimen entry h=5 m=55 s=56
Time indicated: h=7 m=44 s=27
